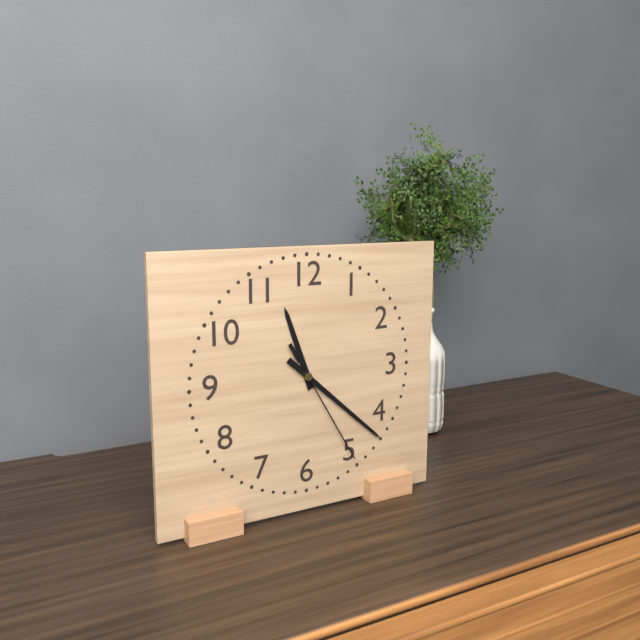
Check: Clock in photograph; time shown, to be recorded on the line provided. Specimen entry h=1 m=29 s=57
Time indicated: h=11 m=22 s=25
